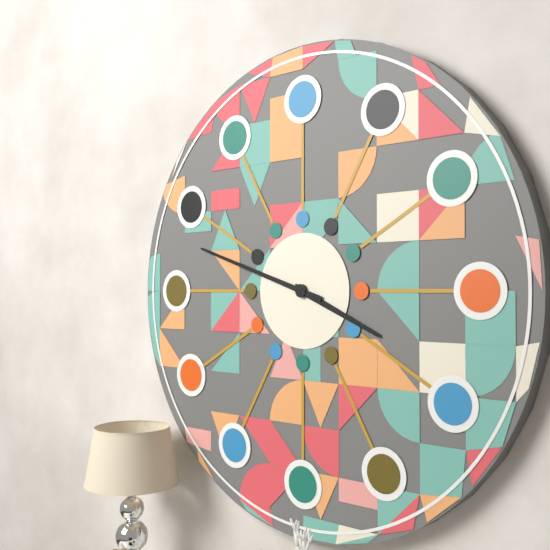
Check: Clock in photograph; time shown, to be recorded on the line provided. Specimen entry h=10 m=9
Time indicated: h=3 m=48
